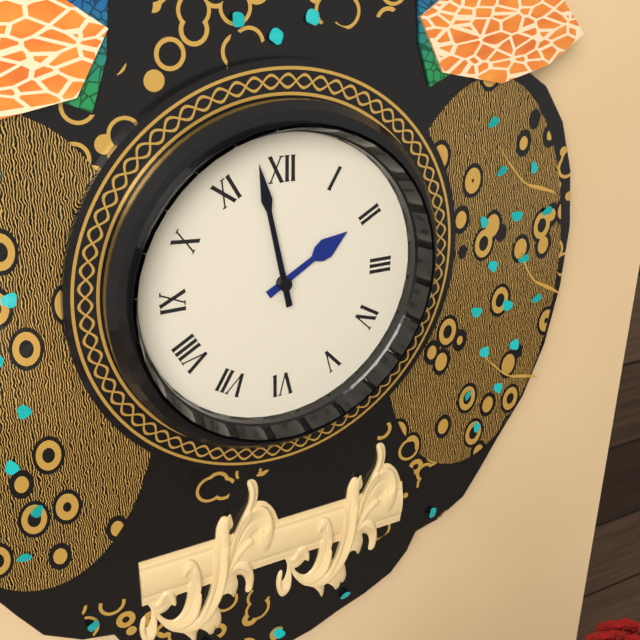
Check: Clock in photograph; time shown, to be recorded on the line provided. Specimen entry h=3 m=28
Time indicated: h=1 m=58
